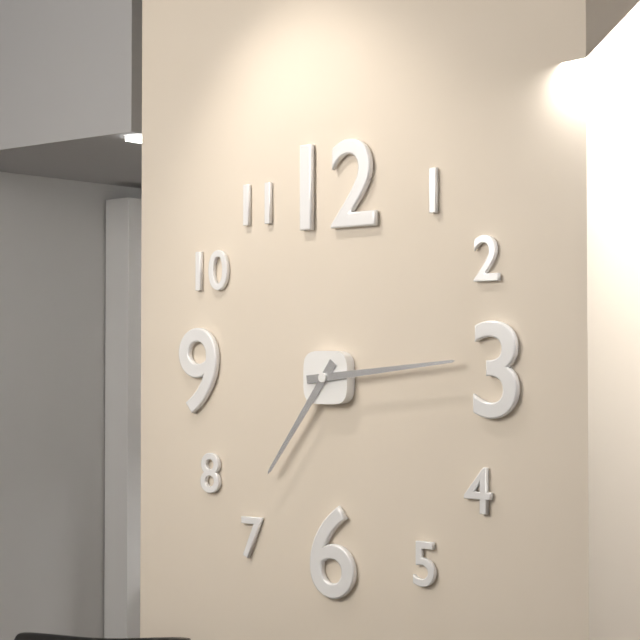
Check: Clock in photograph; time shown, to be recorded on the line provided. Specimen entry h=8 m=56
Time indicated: h=7 m=14
